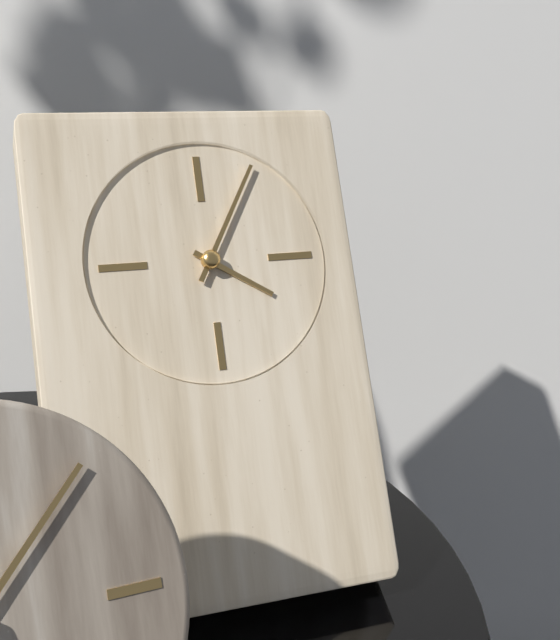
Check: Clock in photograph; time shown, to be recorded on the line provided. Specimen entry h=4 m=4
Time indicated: h=4 m=5
